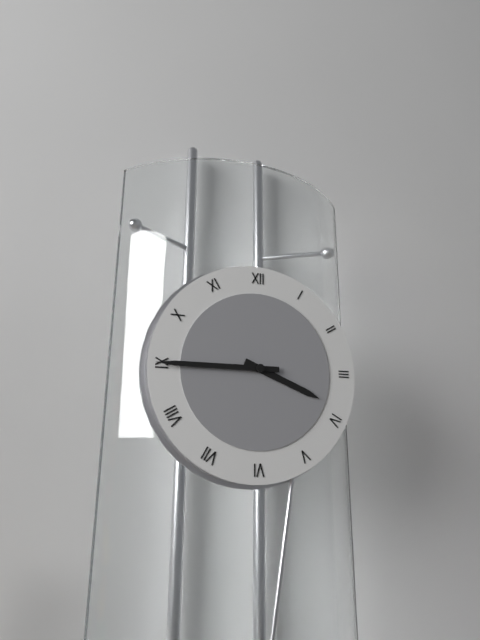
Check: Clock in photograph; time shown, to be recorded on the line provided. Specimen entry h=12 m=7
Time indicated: h=3 m=45
